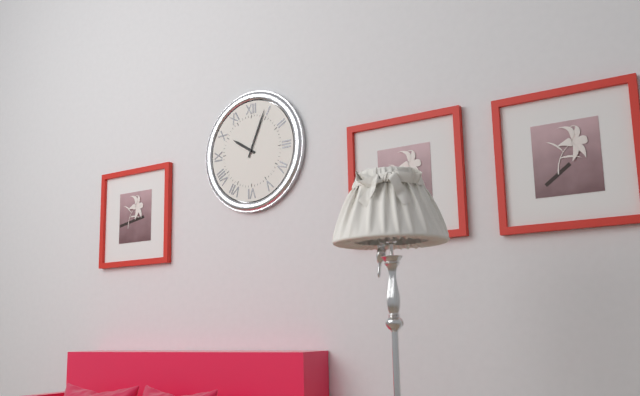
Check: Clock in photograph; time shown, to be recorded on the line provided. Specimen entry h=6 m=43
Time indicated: h=10 m=4
